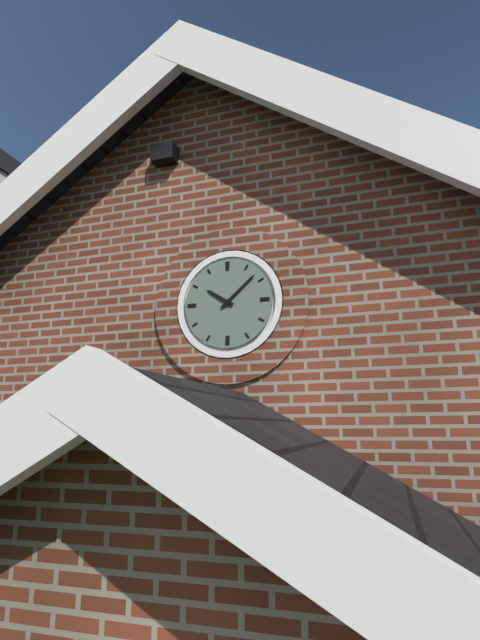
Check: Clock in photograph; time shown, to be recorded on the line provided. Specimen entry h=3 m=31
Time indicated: h=10 m=8
